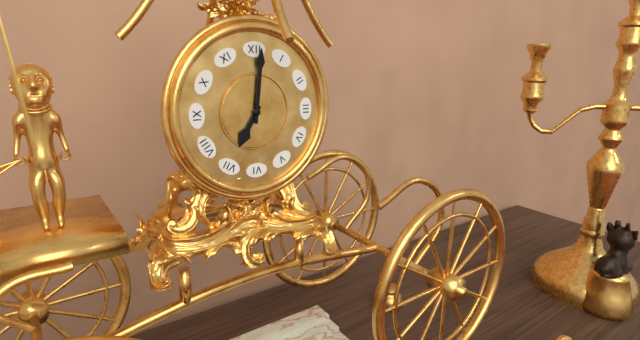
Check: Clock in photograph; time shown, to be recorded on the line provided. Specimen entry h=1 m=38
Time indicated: h=7 m=1
